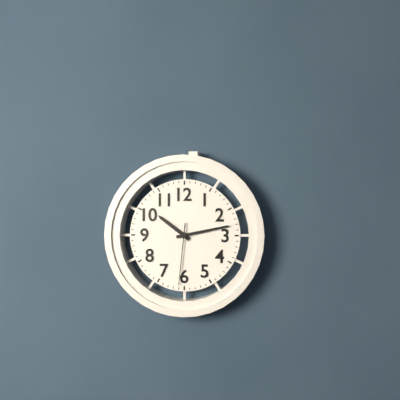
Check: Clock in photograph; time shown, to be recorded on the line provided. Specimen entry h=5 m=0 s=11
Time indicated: h=10 m=13 s=31
